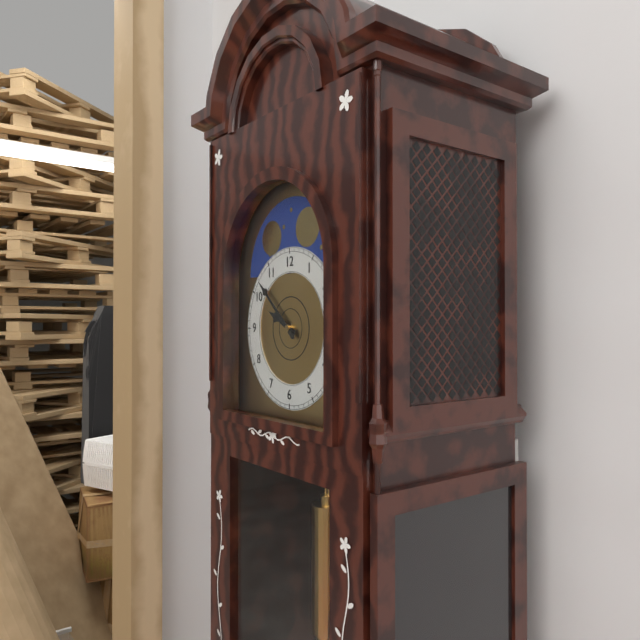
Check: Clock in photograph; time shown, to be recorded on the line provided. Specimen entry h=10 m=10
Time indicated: h=9 m=52
